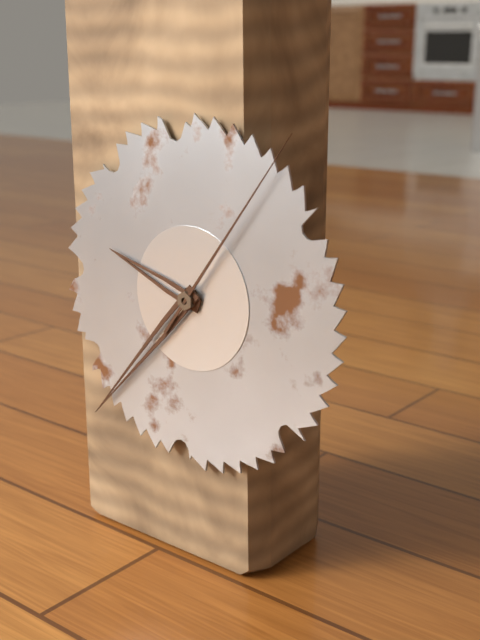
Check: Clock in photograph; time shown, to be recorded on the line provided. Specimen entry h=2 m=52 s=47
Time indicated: h=9 m=37 s=6
